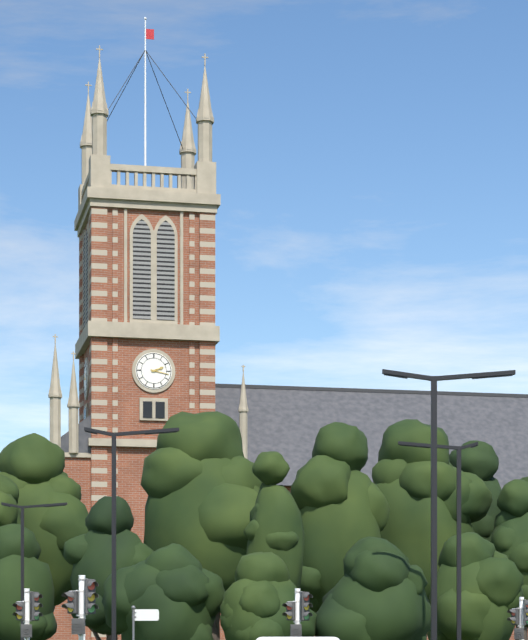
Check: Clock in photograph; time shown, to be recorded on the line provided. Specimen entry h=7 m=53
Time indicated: h=2 m=17
